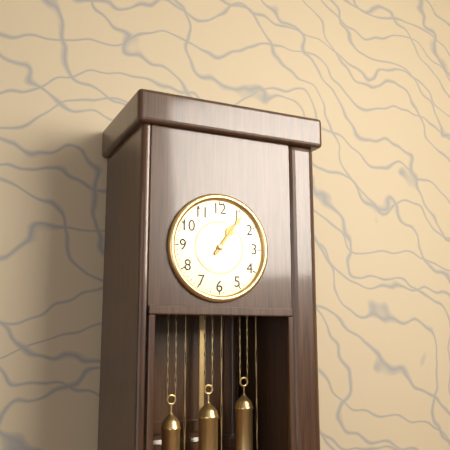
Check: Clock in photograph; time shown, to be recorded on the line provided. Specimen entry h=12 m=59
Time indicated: h=1 m=6
